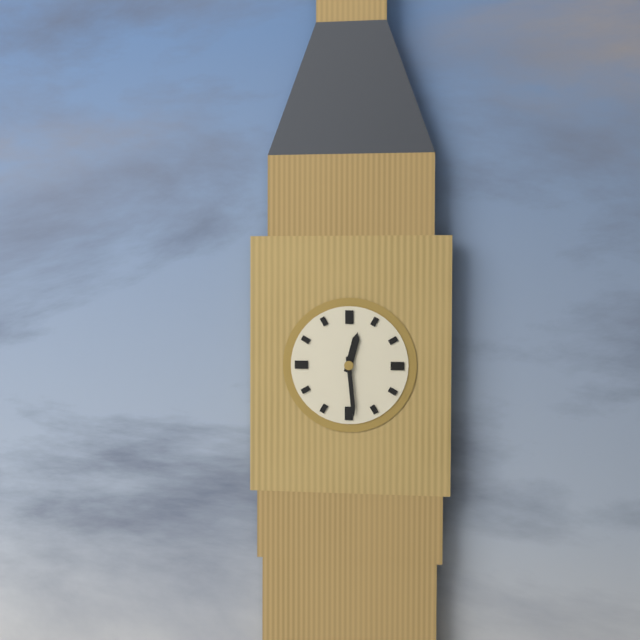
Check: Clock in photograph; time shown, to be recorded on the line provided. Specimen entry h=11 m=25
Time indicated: h=12 m=29
